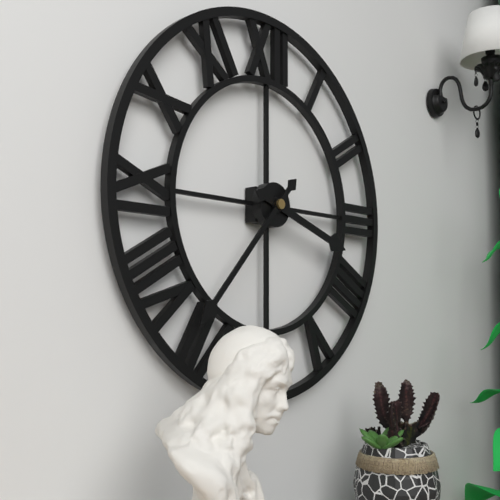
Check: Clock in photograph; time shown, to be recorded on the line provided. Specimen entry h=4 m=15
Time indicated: h=3 m=37
